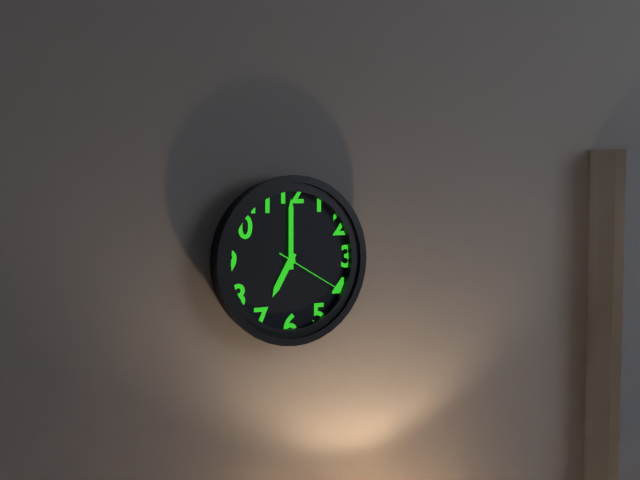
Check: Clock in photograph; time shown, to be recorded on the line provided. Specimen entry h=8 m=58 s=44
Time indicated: h=7 m=0 s=20
